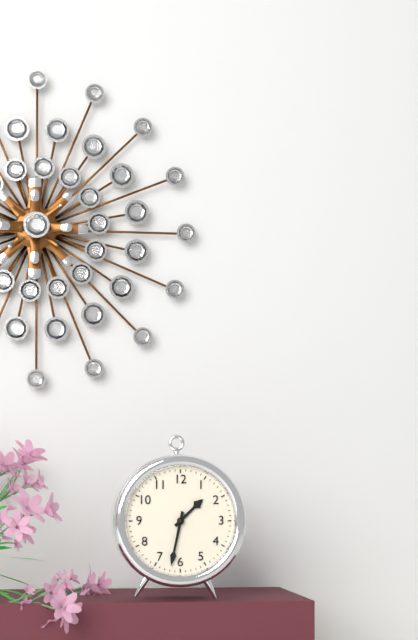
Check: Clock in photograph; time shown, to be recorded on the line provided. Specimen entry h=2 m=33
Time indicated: h=1 m=32
